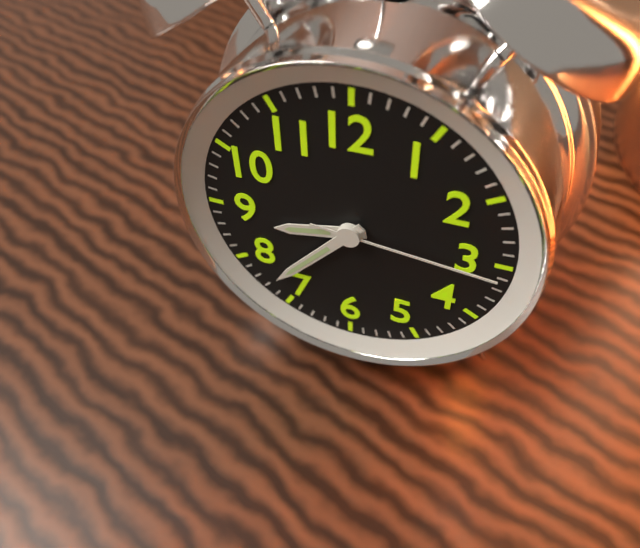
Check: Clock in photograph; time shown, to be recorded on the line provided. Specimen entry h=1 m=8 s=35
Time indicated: h=8 m=37 s=16
